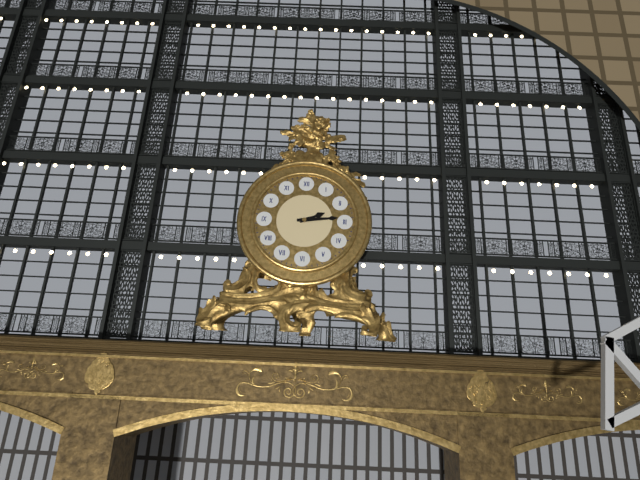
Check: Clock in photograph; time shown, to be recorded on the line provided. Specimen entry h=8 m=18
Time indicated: h=2 m=14
